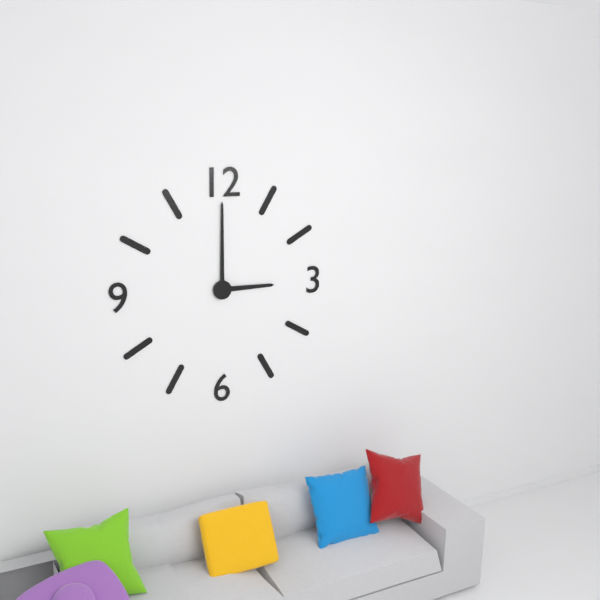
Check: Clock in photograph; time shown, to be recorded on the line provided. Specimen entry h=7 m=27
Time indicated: h=3 m=0
